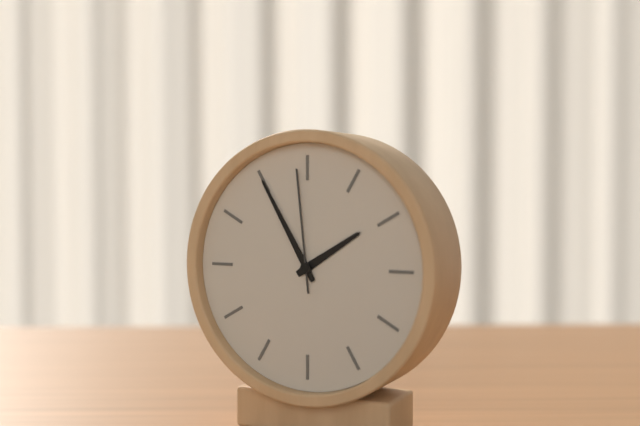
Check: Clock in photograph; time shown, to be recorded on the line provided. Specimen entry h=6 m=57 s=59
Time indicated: h=1 m=55 s=59
